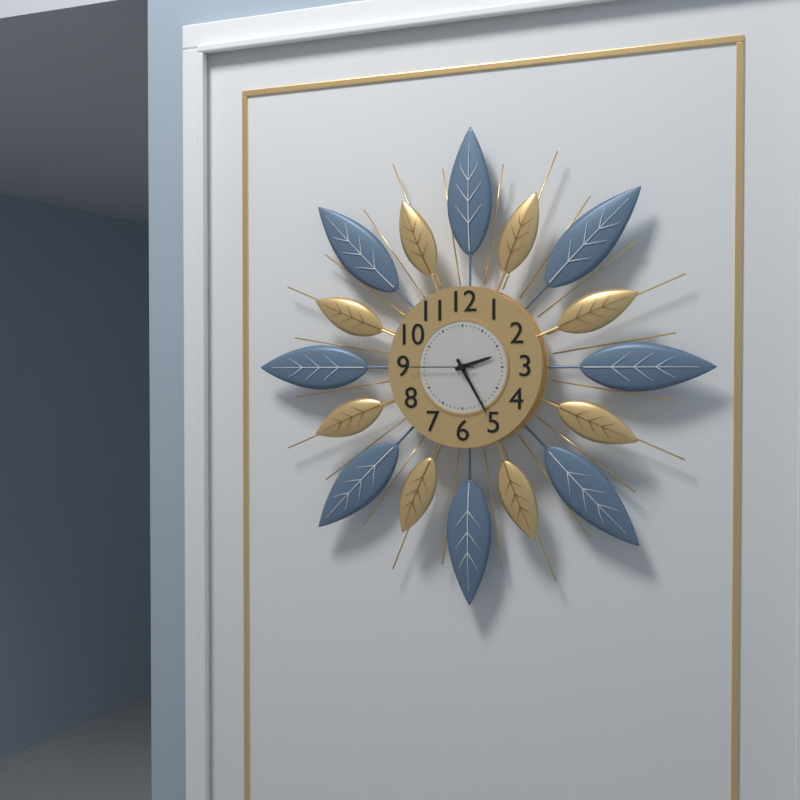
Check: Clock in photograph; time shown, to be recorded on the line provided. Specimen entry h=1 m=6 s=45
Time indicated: h=2 m=25 s=45
